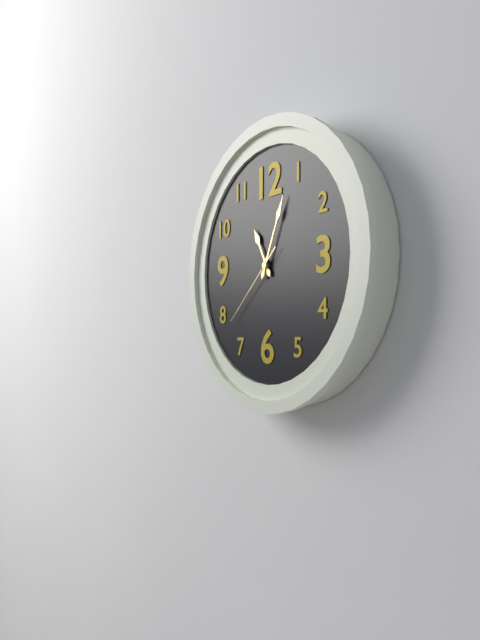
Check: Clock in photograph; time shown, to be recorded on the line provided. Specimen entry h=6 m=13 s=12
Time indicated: h=11 m=4 s=38
